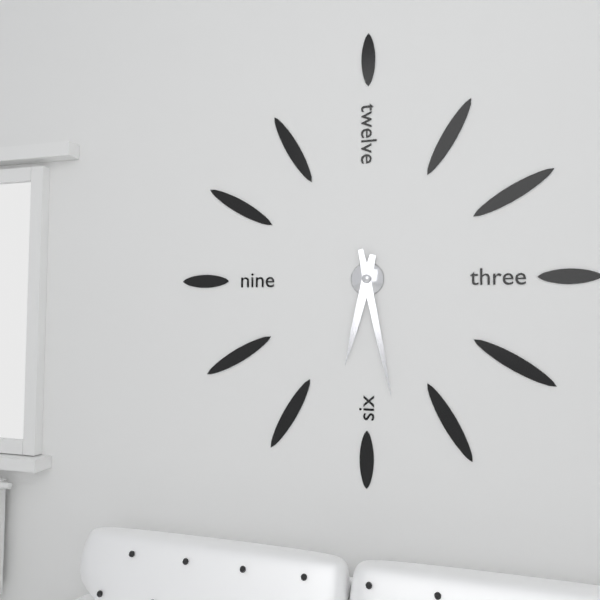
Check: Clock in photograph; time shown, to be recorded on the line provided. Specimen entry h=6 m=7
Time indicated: h=6 m=28
